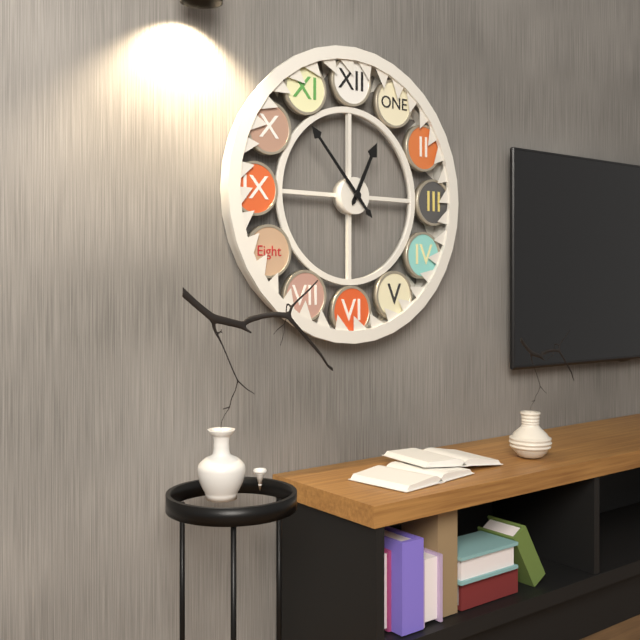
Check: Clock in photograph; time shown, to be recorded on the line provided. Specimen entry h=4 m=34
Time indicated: h=12 m=53
